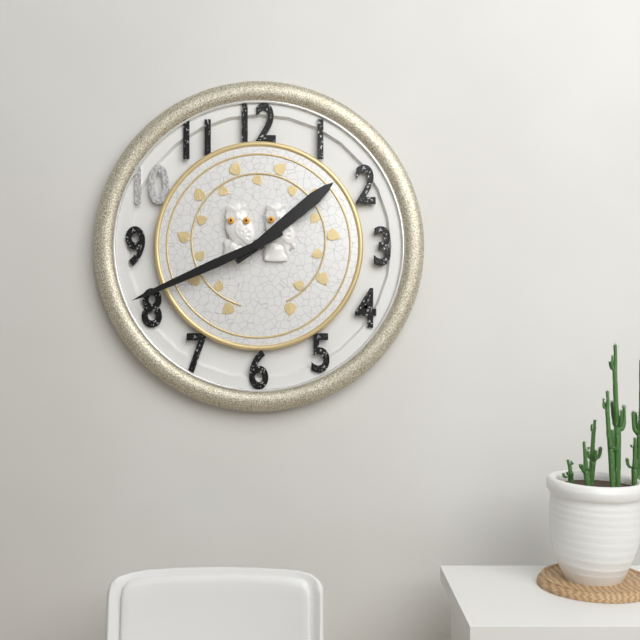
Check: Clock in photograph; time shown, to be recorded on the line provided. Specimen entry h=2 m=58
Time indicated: h=1 m=41
